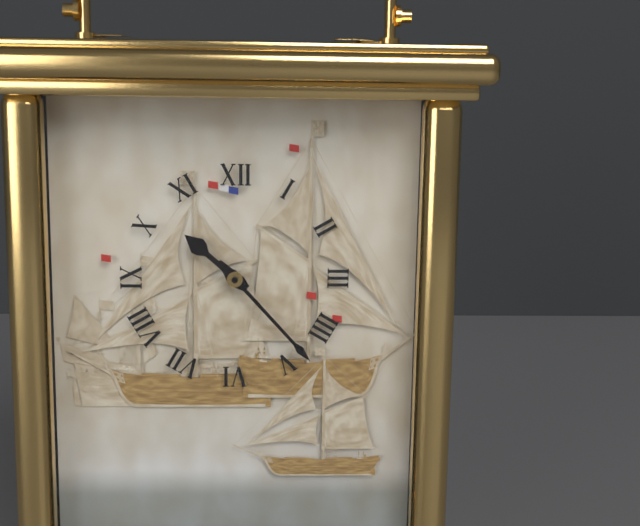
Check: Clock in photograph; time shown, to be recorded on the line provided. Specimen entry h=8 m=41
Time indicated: h=10 m=23
